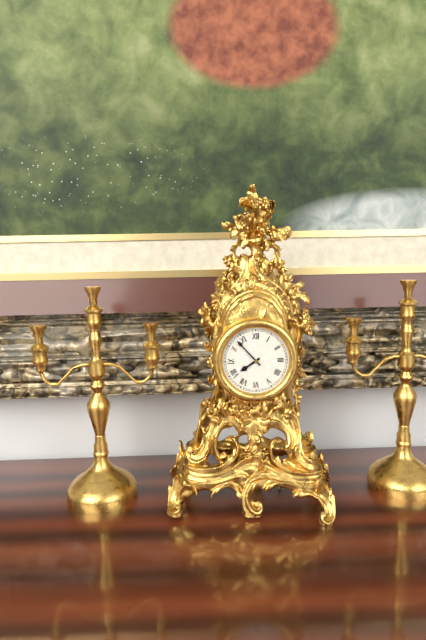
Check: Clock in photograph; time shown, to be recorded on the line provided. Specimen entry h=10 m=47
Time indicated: h=7 m=53
